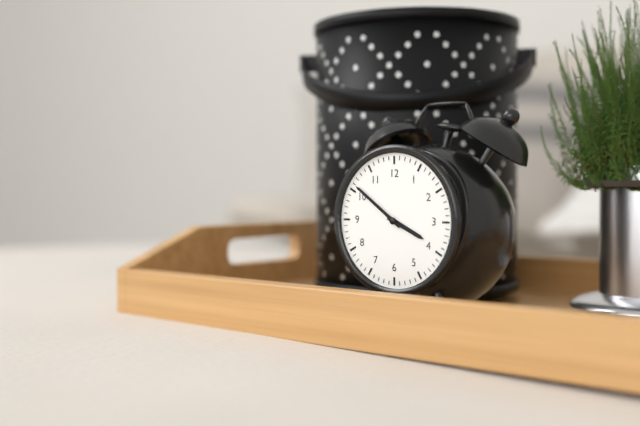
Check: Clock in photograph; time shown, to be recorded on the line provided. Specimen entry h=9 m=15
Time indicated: h=3 m=51
